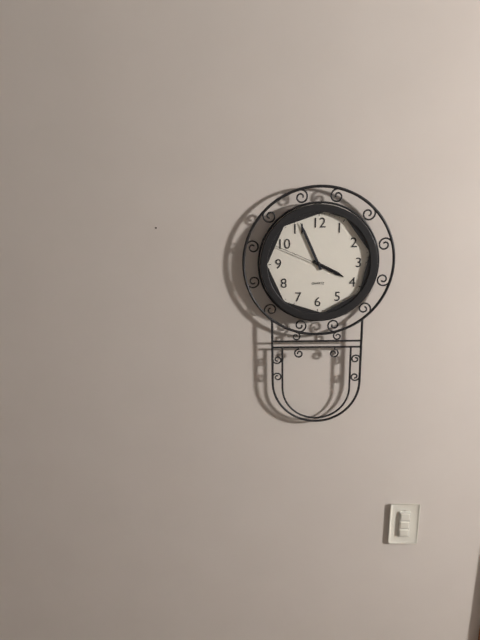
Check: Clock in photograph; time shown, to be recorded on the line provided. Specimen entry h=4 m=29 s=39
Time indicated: h=3 m=56 s=49
